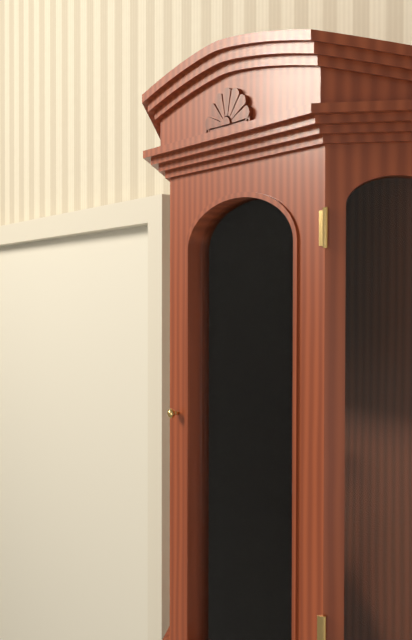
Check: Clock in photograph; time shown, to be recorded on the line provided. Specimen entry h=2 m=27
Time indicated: h=2 m=59
